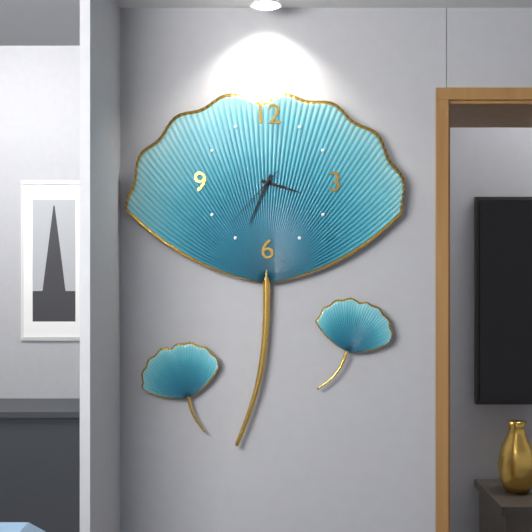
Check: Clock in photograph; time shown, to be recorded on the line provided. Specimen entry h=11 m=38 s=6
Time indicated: h=3 m=34 s=37
